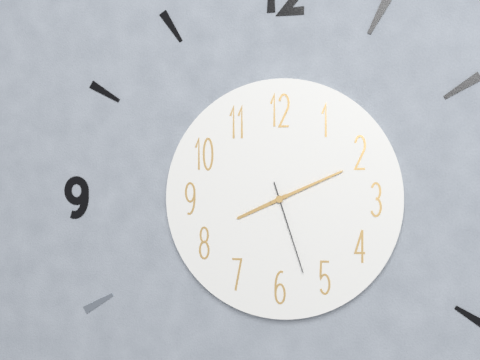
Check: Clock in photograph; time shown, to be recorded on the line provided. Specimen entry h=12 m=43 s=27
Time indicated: h=8 m=11 s=27
